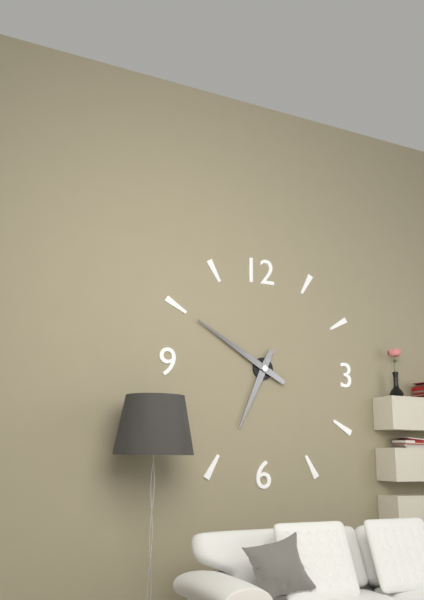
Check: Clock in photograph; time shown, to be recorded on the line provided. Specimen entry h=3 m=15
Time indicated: h=6 m=50
